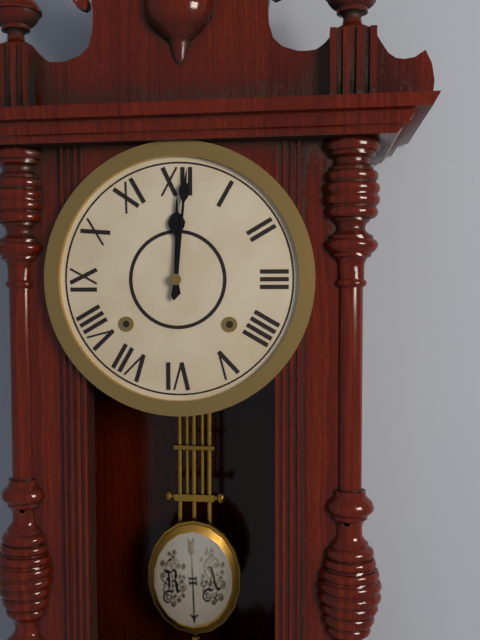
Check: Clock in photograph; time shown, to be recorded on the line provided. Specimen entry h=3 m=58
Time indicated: h=12 m=1
